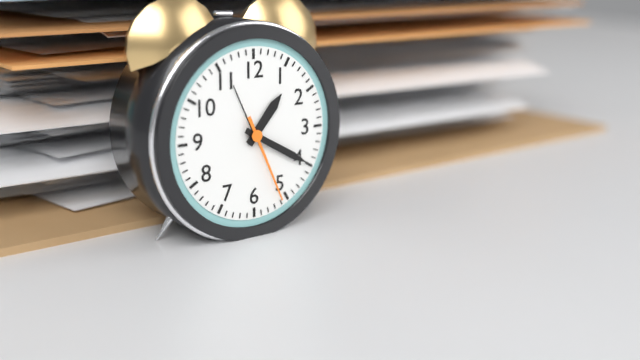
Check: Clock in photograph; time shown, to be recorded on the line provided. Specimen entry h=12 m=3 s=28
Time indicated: h=1 m=20 s=26
